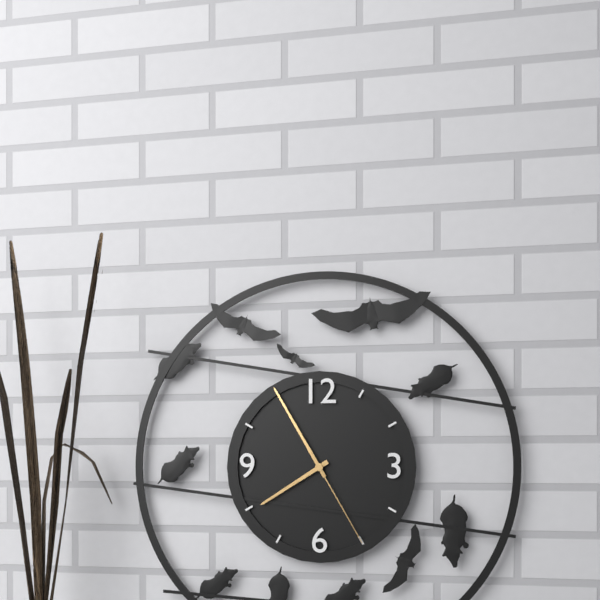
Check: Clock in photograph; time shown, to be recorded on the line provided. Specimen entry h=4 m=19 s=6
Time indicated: h=7 m=55 s=25
